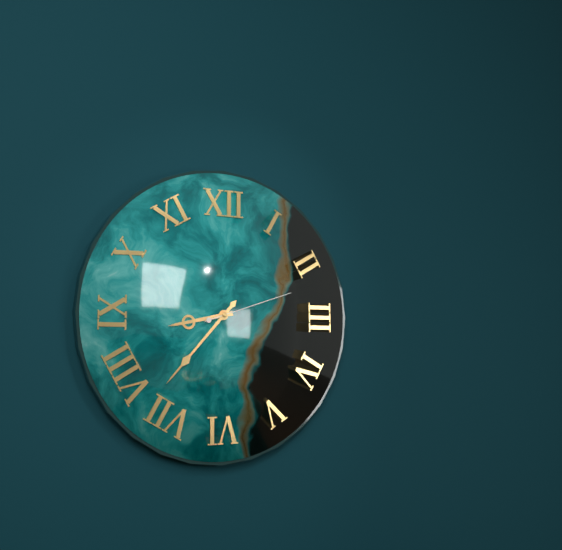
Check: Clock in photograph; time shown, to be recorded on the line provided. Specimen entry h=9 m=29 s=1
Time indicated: h=8 m=37 s=12
